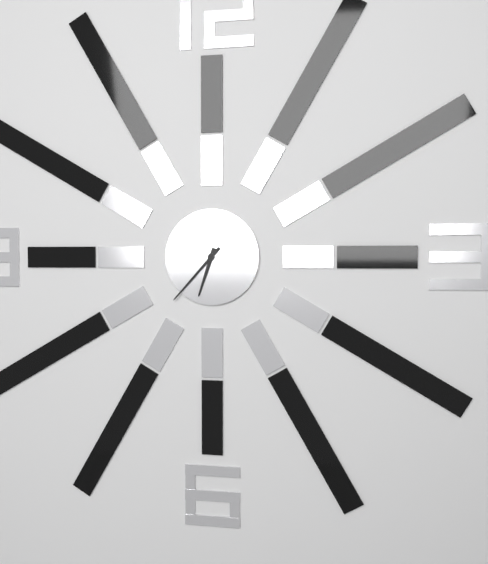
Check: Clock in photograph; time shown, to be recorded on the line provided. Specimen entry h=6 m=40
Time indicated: h=6 m=37
